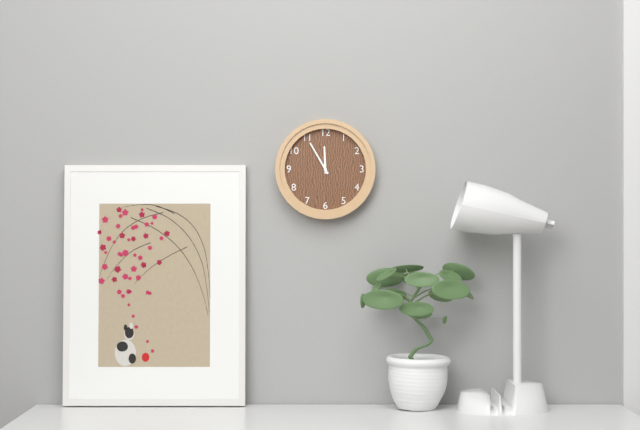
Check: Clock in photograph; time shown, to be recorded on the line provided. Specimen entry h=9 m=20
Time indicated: h=11 m=55
